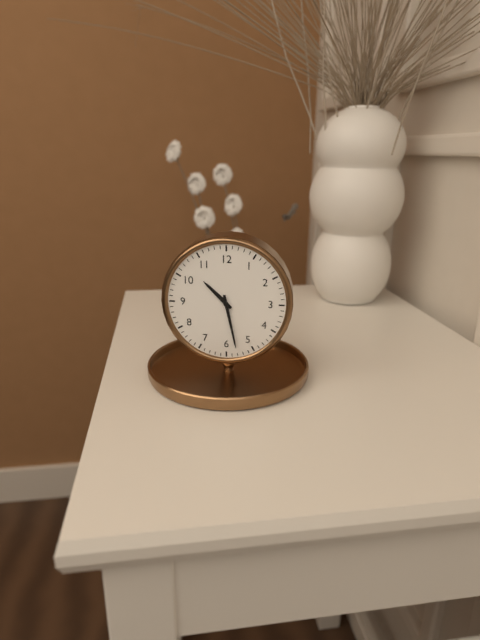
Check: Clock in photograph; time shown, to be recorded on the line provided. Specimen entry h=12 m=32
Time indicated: h=10 m=28
